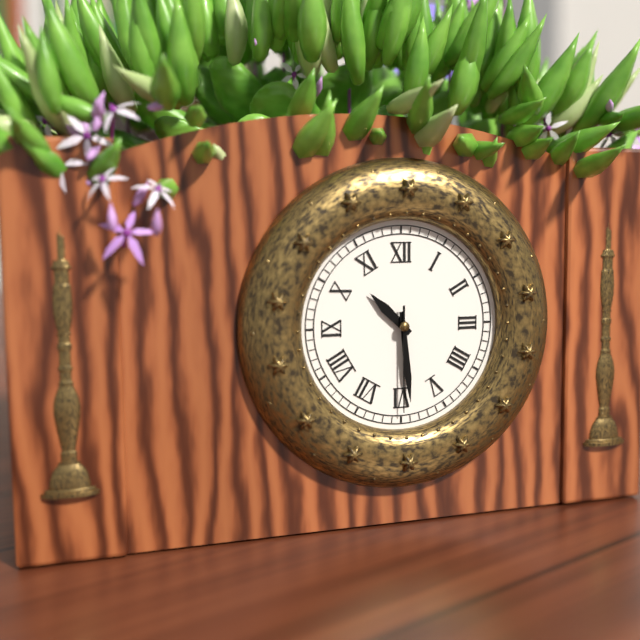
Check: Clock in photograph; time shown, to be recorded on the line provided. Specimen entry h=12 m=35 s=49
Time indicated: h=10 m=29 s=30
